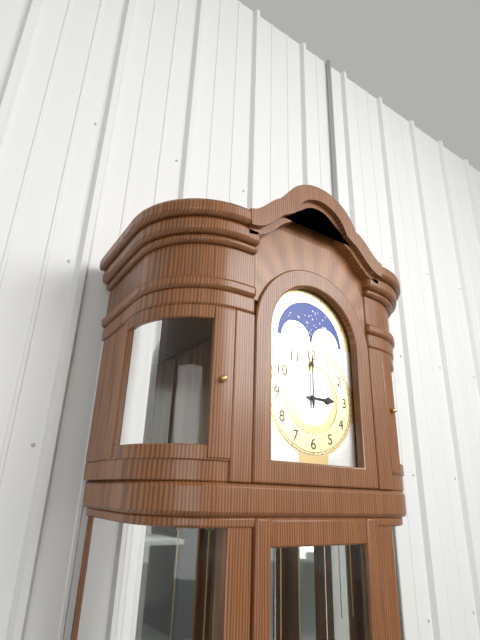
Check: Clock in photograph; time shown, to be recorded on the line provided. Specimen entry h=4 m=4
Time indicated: h=3 m=0
